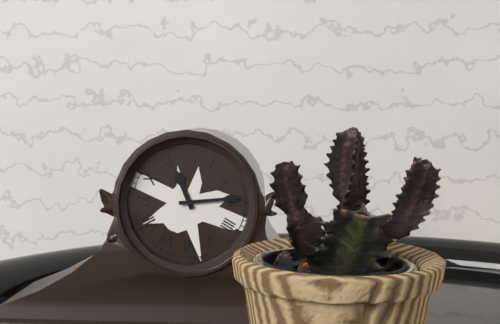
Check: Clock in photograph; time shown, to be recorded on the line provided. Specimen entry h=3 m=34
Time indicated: h=11 m=14
